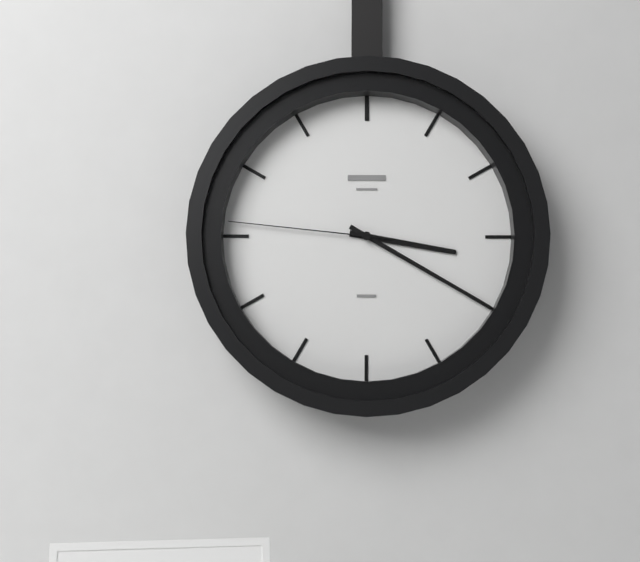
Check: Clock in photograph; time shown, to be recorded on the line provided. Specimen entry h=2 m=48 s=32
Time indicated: h=3 m=20 s=46
